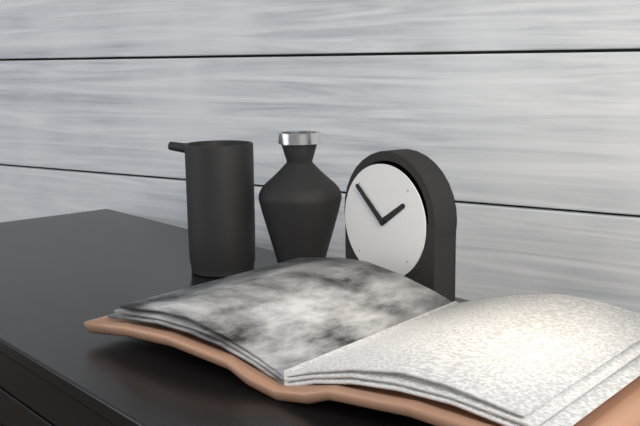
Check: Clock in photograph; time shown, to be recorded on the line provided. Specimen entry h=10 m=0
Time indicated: h=1 m=52
